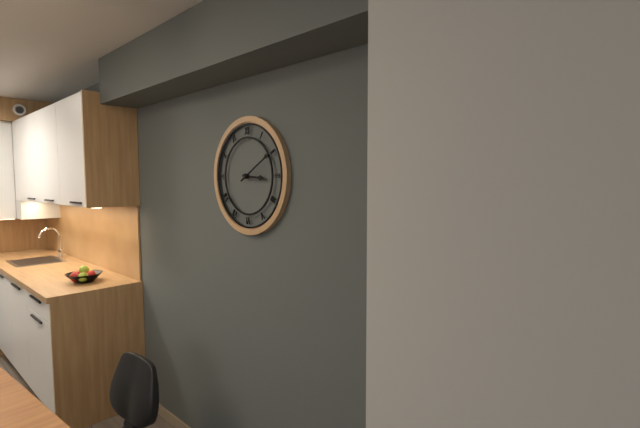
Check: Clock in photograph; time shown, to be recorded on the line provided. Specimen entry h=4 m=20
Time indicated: h=3 m=10
